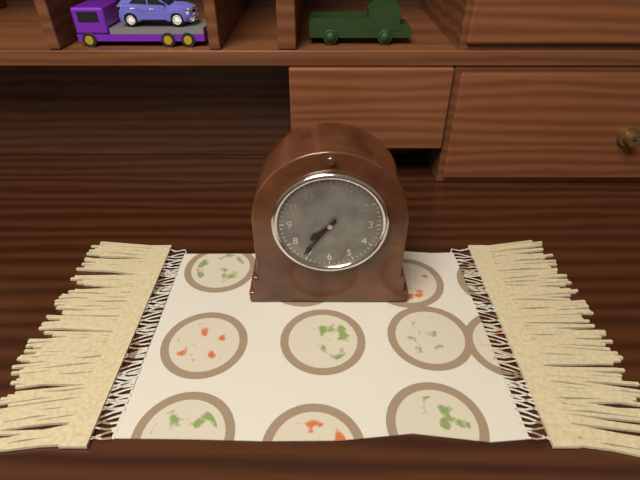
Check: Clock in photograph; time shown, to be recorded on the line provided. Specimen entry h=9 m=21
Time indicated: h=7 m=36
